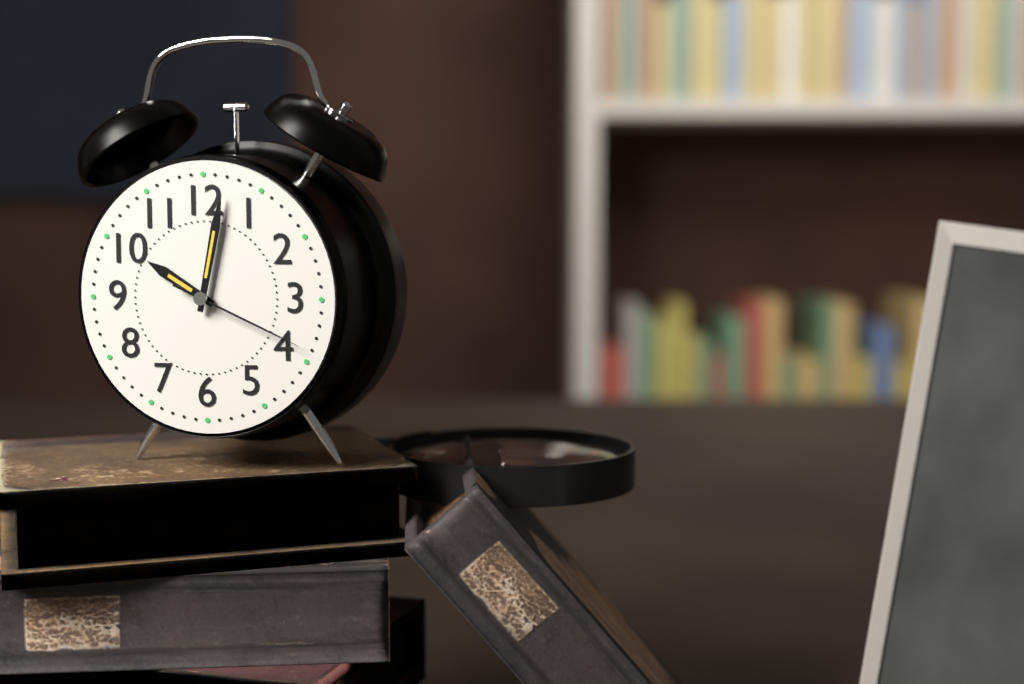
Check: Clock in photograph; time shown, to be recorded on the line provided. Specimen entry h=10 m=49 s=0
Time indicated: h=10 m=2 s=19
